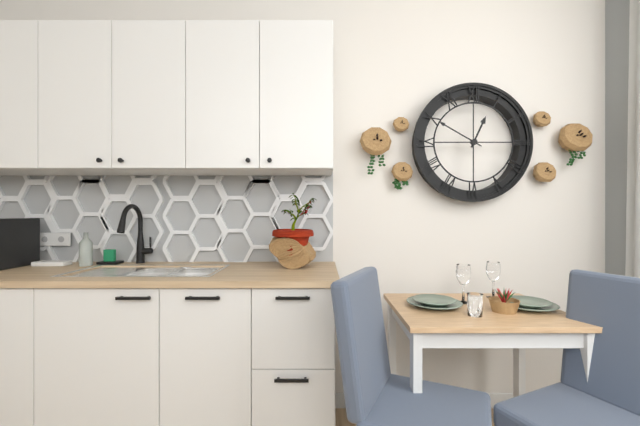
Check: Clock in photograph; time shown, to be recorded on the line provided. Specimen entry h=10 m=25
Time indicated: h=12 m=50
